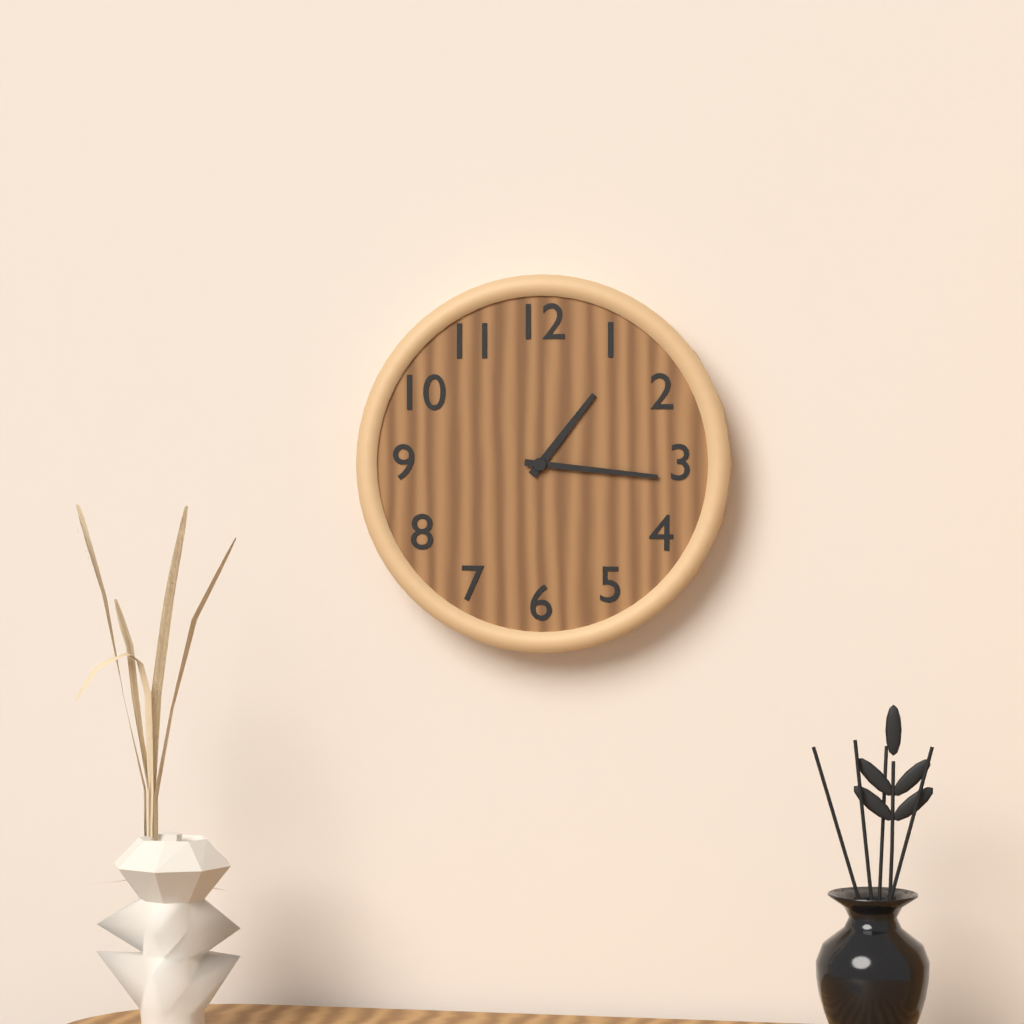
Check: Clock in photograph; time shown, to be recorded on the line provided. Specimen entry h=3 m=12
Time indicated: h=1 m=16
